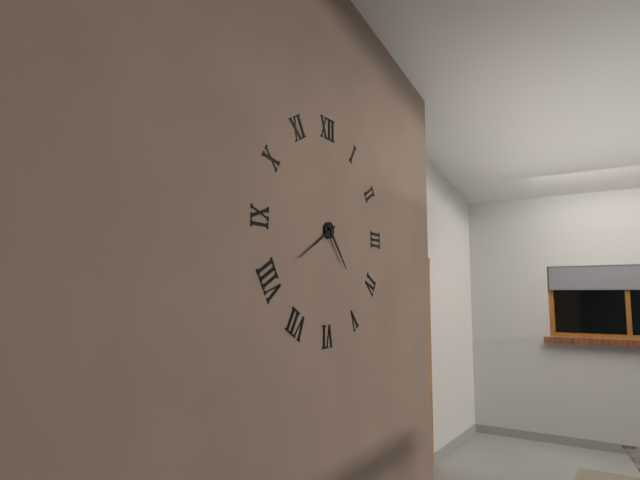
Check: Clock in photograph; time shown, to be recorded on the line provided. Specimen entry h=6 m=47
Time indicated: h=4 m=40
